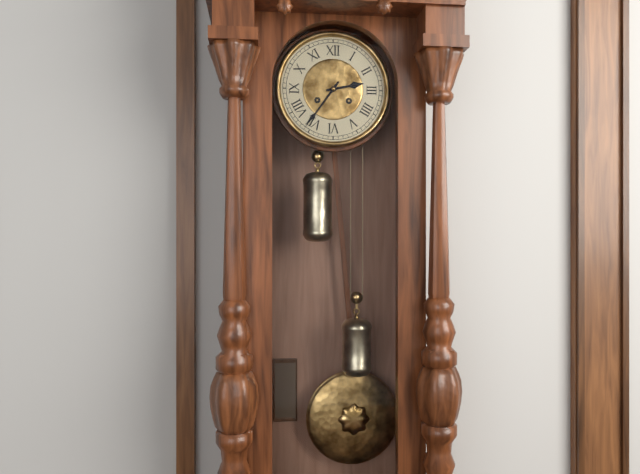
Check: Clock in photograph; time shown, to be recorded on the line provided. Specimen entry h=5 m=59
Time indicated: h=2 m=36
